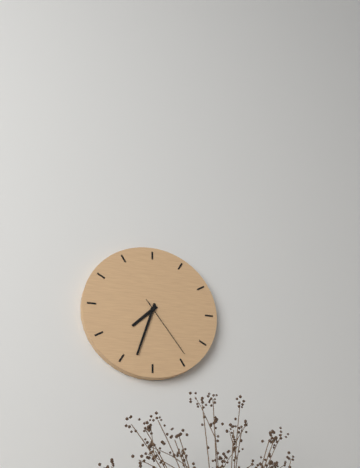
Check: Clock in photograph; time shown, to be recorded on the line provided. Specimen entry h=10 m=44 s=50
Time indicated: h=7 m=33 s=24
